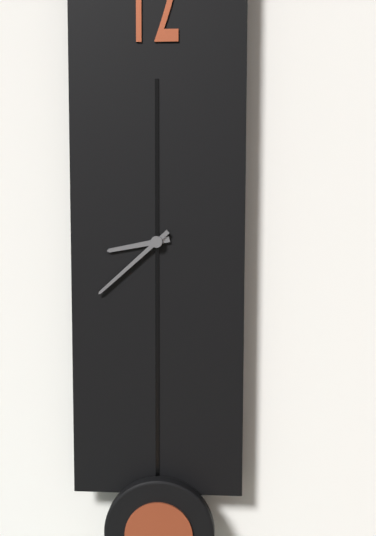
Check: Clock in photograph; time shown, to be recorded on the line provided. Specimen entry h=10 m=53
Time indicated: h=8 m=38
